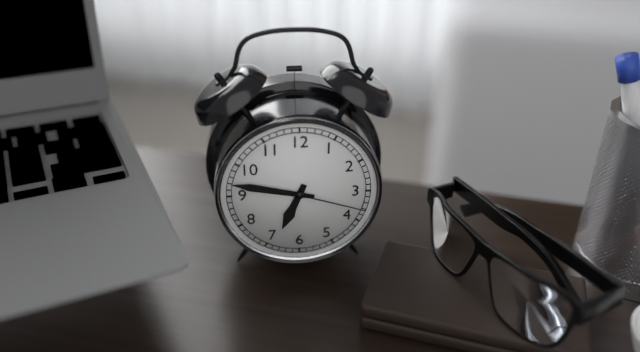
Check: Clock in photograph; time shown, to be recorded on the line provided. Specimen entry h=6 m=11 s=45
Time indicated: h=6 m=47 s=18
